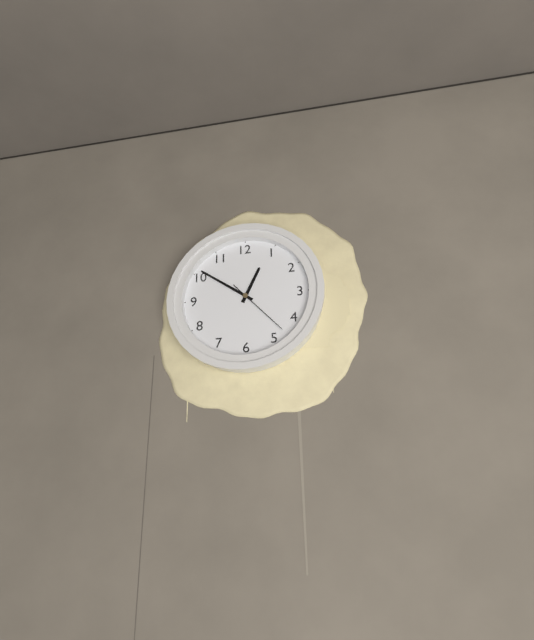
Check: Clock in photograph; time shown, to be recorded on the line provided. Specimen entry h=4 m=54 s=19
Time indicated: h=12 m=51 s=23
